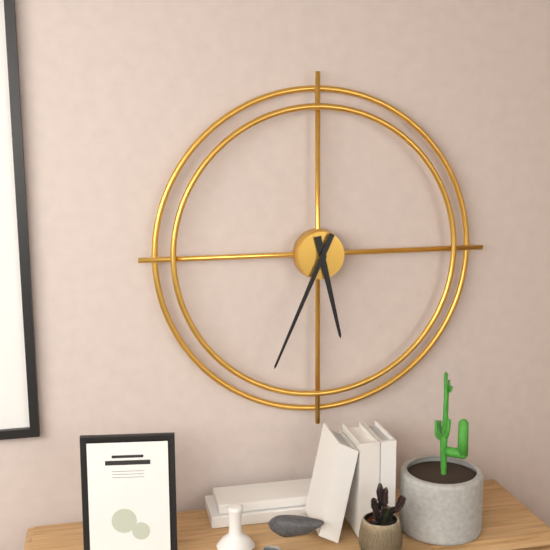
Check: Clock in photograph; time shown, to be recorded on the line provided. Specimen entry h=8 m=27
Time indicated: h=5 m=34
